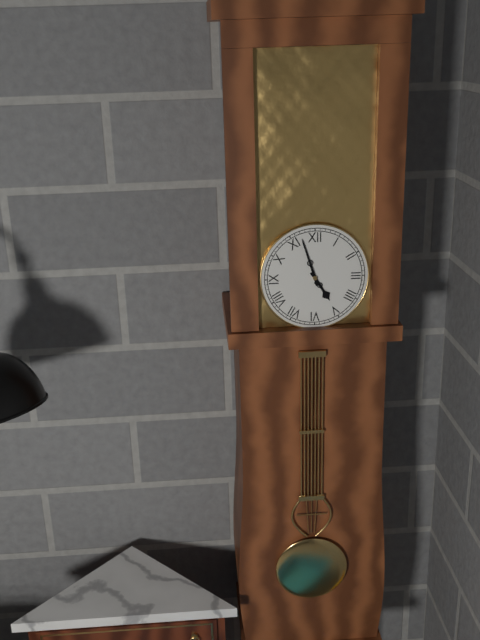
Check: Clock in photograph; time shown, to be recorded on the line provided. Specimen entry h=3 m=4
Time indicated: h=4 m=57
